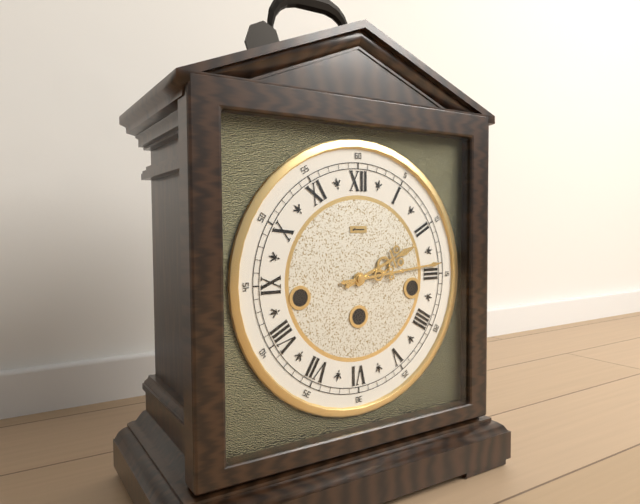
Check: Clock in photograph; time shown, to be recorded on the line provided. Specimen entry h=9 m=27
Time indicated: h=2 m=14
